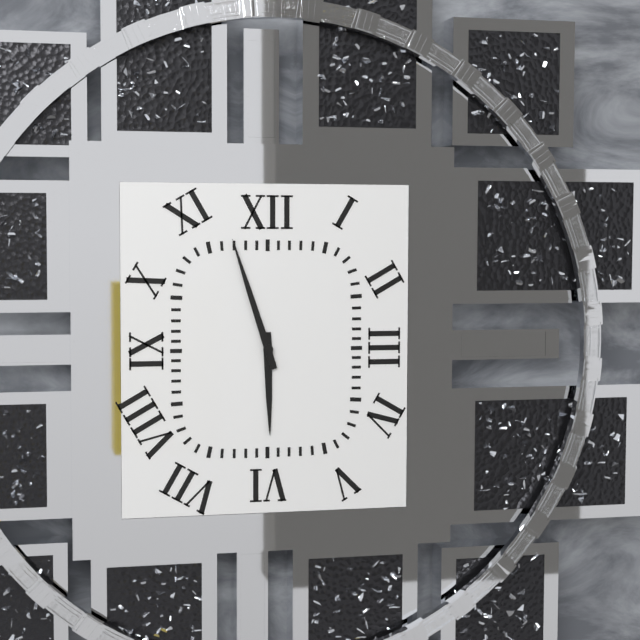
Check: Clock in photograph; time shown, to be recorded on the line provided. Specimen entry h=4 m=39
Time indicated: h=5 m=57
